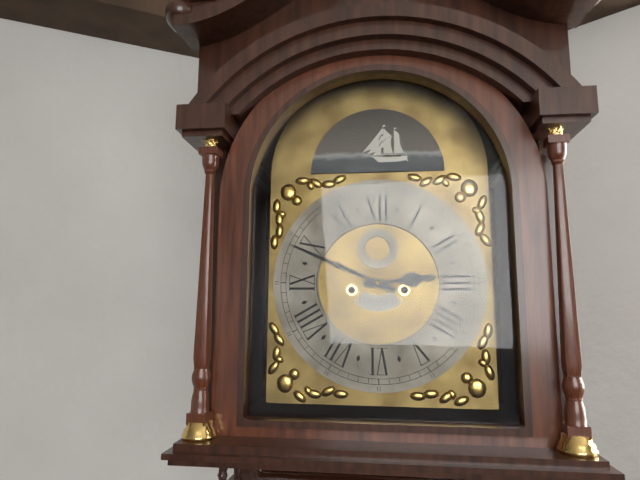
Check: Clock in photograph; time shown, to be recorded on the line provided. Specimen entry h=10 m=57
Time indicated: h=2 m=49
